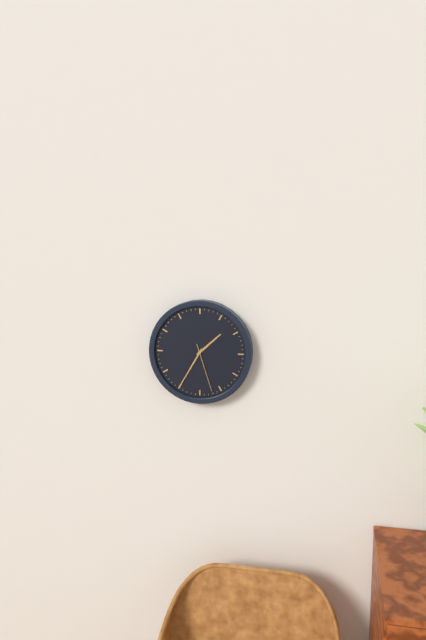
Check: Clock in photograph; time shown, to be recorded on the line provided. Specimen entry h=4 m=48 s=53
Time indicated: h=1 m=35 s=27
